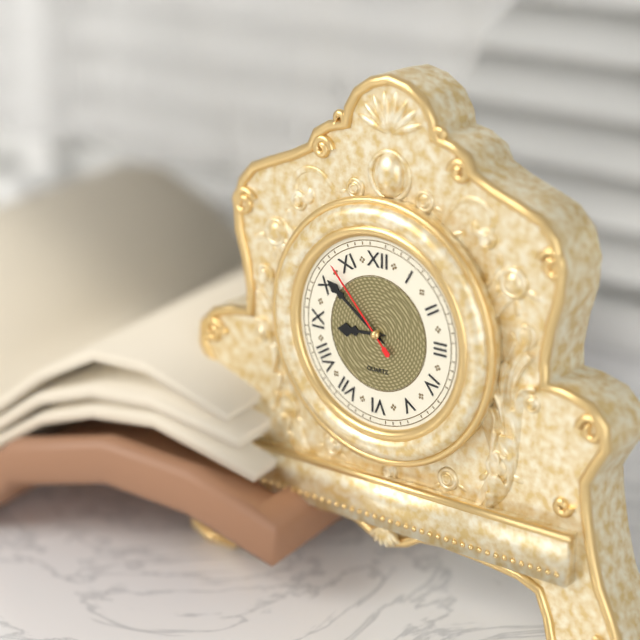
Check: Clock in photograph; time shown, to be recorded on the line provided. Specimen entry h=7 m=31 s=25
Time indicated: h=8 m=51 s=53
